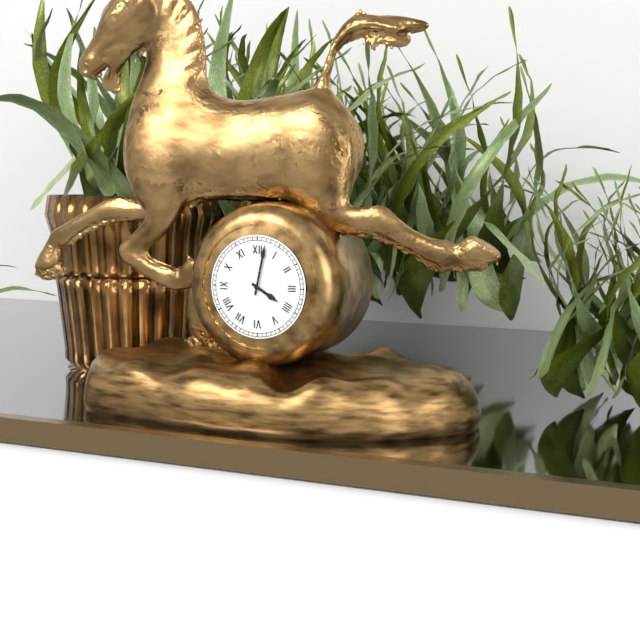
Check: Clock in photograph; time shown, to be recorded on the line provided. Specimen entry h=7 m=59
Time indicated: h=4 m=2
